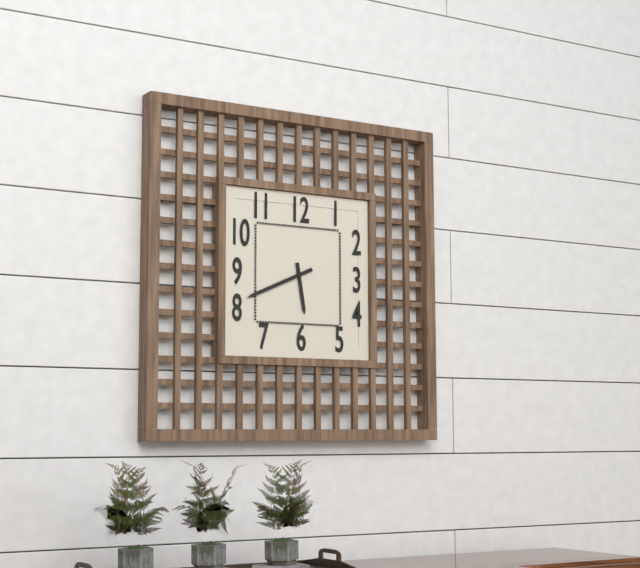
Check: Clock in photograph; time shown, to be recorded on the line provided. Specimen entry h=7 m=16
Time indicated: h=5 m=41
